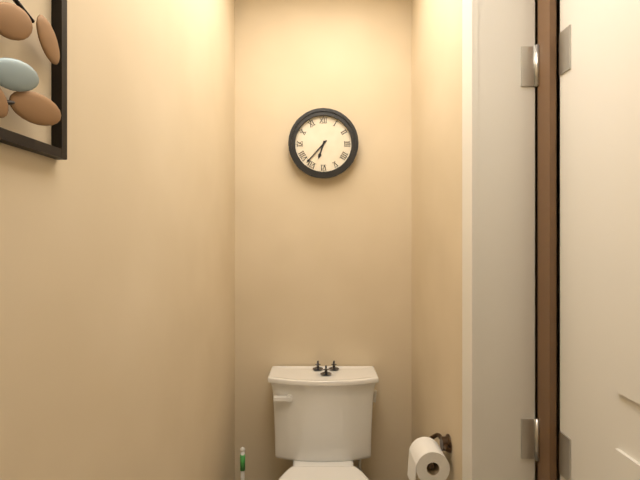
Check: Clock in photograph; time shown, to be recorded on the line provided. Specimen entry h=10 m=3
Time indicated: h=6 m=37
